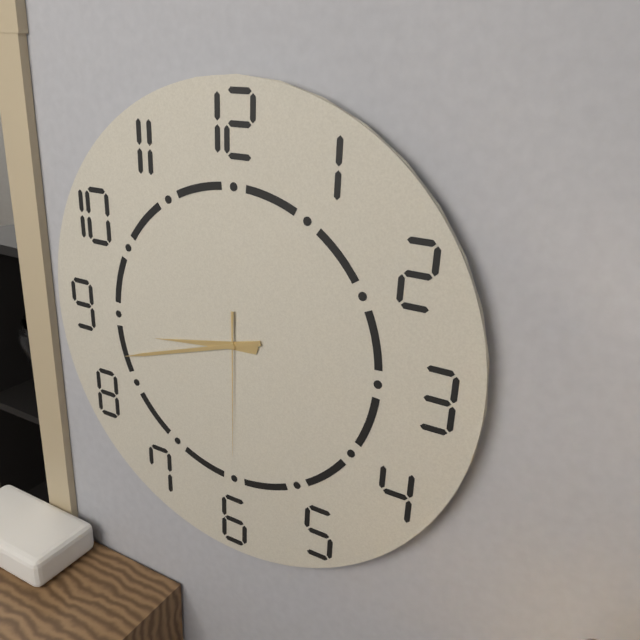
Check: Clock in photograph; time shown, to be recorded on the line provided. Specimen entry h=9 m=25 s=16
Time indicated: h=8 m=42 s=30
